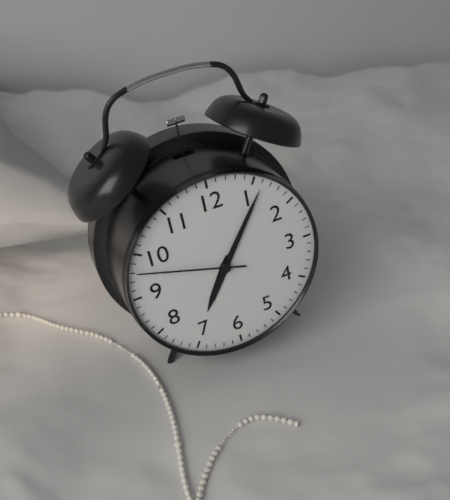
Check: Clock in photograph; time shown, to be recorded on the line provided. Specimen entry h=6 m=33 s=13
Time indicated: h=7 m=6 s=48
